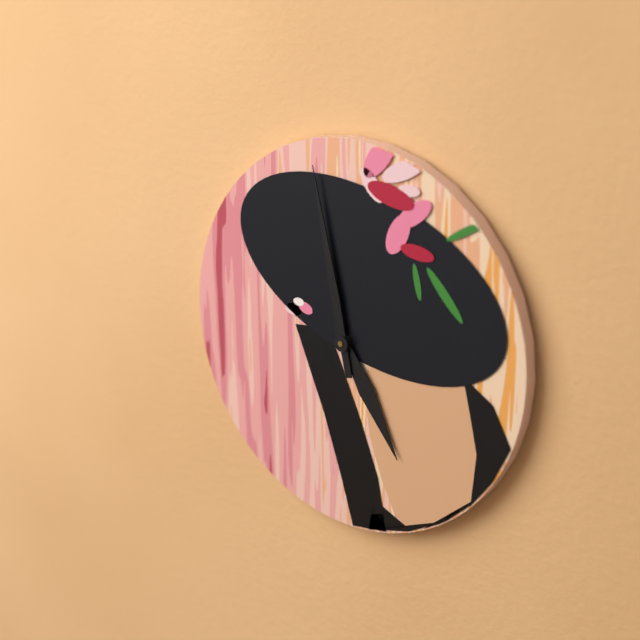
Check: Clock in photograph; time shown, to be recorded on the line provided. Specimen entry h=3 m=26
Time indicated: h=4 m=58
